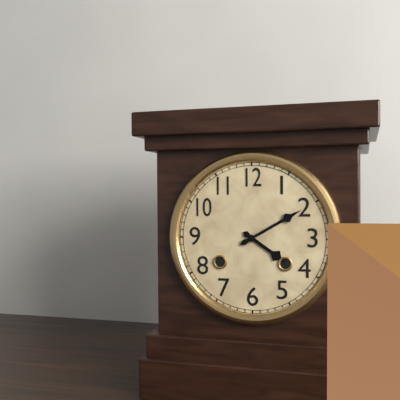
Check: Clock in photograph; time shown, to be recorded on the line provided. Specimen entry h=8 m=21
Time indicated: h=4 m=10
